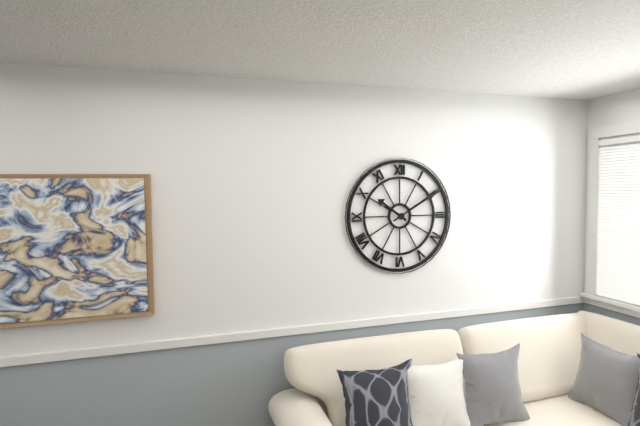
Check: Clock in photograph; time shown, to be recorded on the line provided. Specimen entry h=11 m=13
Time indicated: h=10 m=10
